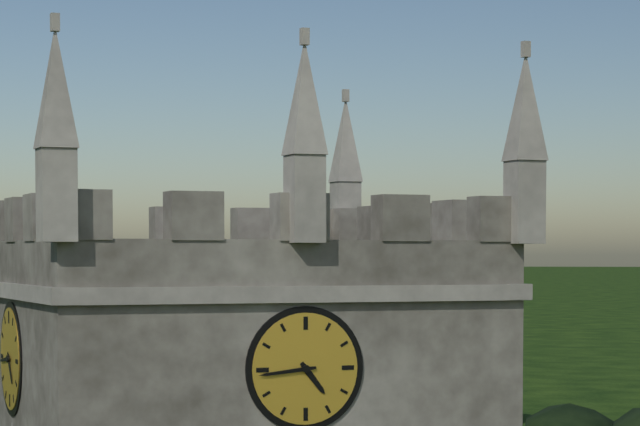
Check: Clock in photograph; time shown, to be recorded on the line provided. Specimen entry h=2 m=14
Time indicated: h=4 m=44
